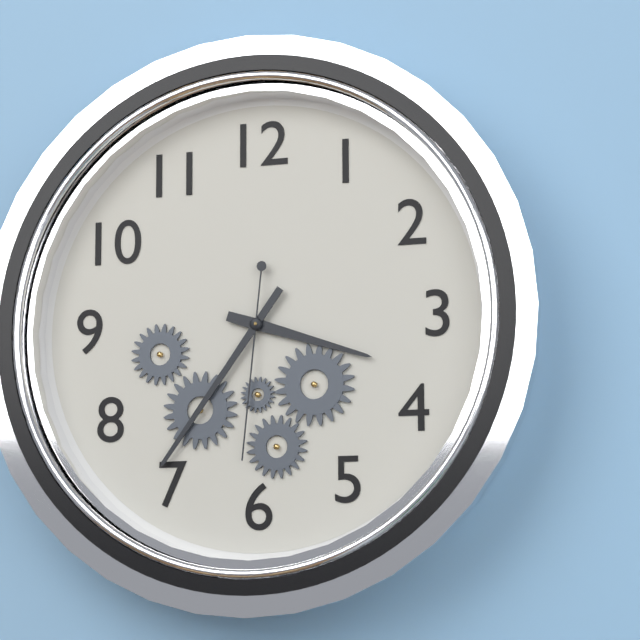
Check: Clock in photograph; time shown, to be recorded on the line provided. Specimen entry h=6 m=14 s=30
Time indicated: h=3 m=36 s=31
